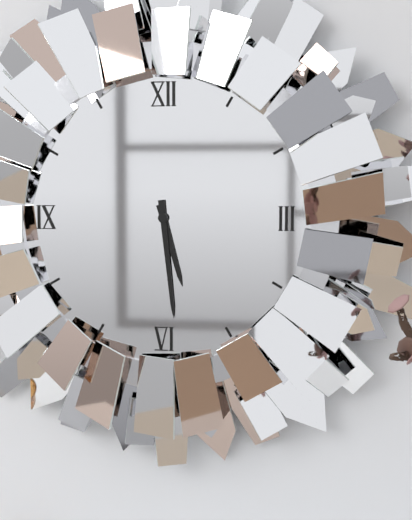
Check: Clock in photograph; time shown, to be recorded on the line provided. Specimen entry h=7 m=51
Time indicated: h=5 m=29
